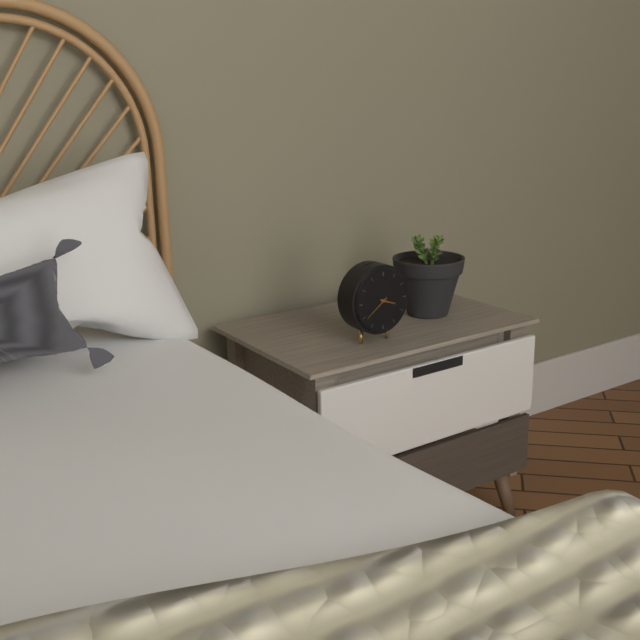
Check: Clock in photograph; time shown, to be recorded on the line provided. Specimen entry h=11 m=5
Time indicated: h=3 m=39
